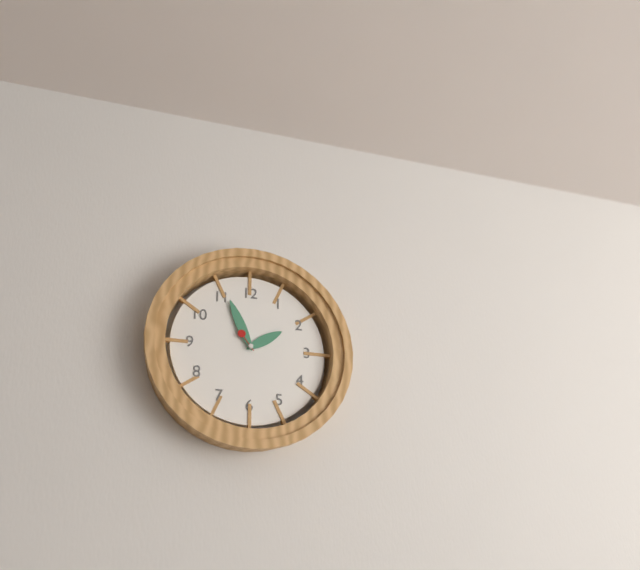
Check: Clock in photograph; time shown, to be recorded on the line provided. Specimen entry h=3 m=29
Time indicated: h=1 m=56
